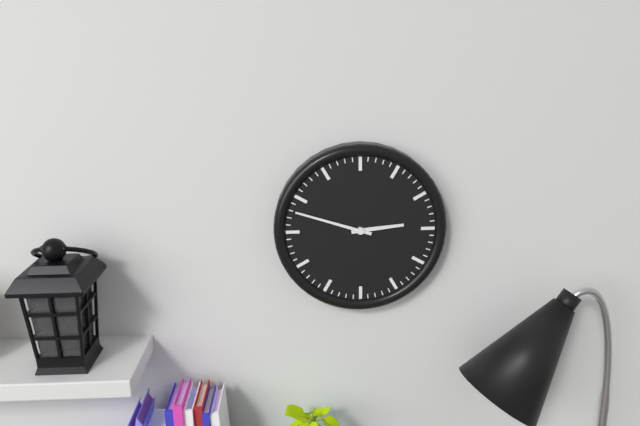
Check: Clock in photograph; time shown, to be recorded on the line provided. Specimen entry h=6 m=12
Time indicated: h=2 m=48
